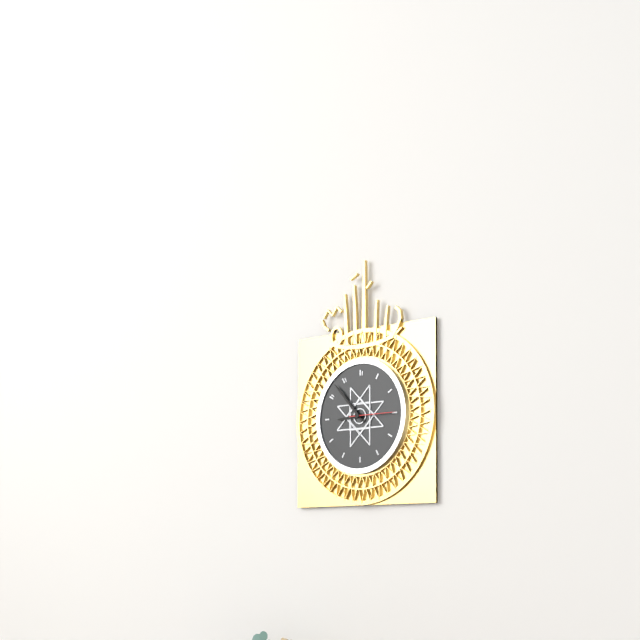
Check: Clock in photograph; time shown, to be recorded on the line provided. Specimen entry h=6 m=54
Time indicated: h=8 m=53
